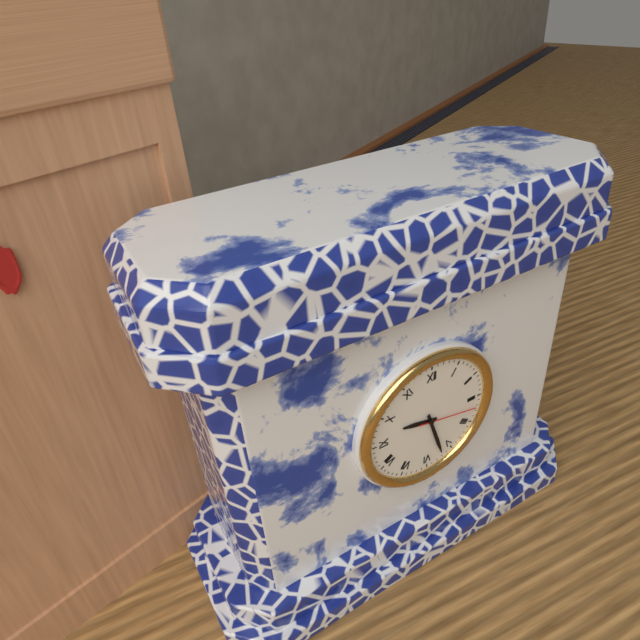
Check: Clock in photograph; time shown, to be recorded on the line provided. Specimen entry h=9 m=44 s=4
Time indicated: h=9 m=27 s=17
